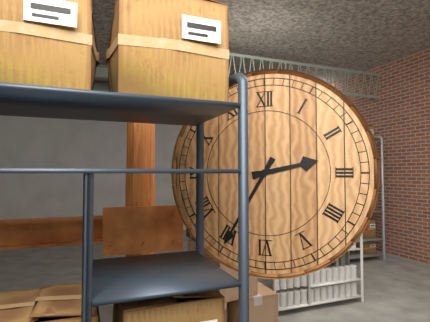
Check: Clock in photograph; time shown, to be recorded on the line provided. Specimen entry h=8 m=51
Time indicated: h=2 m=35
